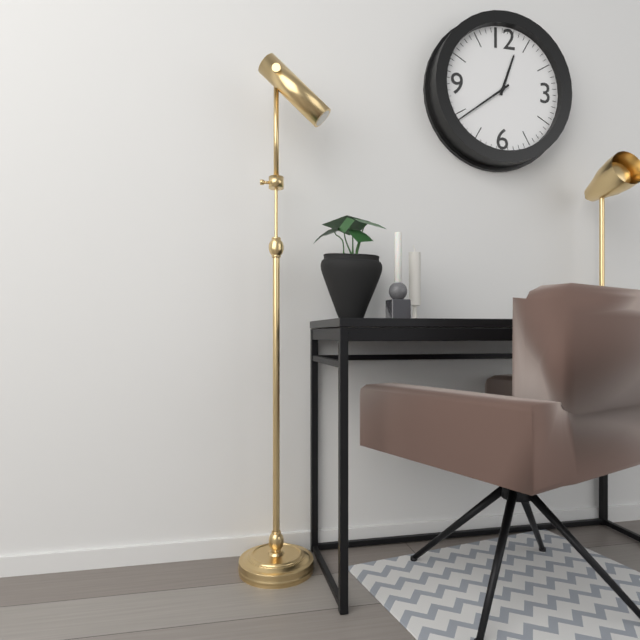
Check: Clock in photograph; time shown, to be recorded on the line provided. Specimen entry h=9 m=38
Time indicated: h=12 m=39
